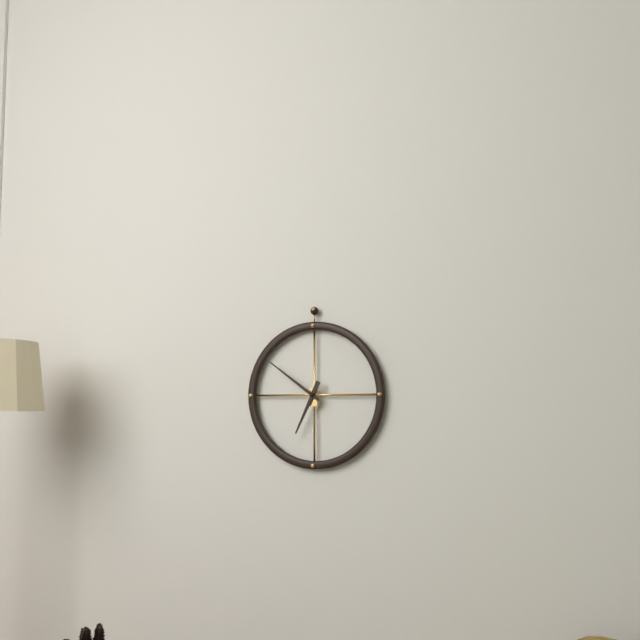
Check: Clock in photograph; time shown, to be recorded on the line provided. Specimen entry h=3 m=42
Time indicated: h=6 m=51
